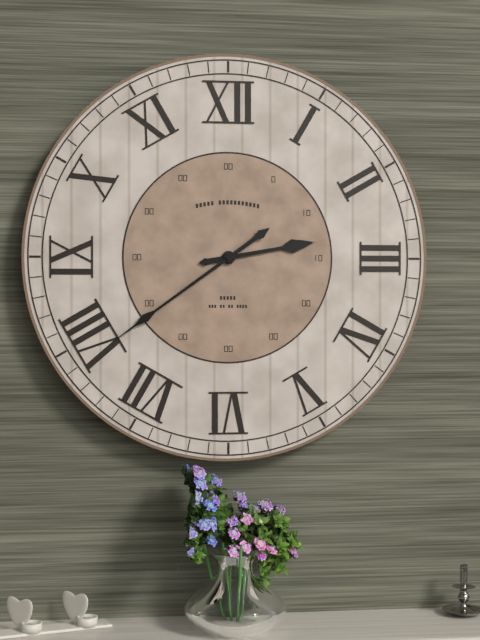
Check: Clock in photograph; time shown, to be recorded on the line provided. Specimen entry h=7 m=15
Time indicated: h=2 m=39
